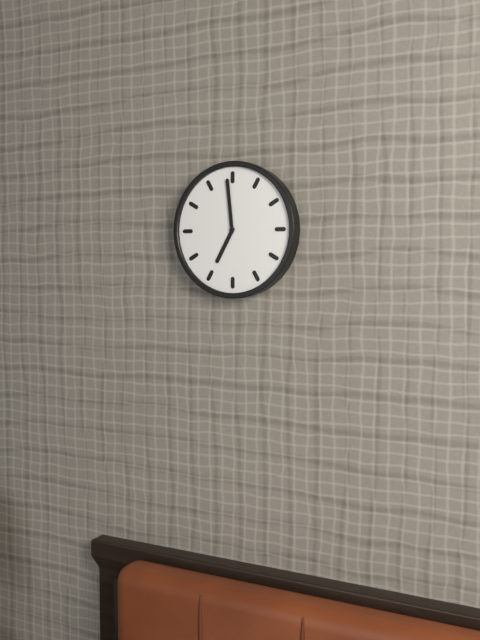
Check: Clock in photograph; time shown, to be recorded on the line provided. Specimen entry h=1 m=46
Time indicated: h=6 m=59
